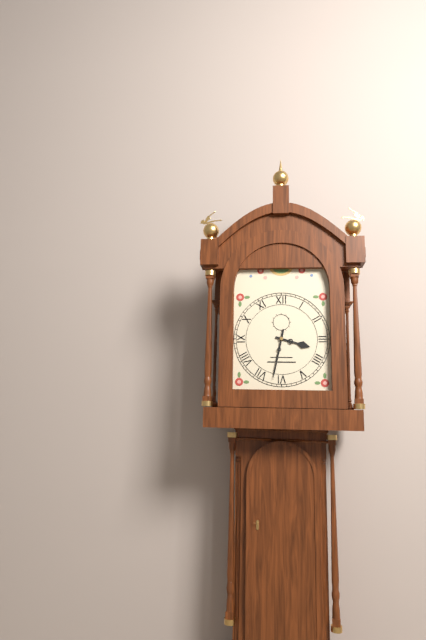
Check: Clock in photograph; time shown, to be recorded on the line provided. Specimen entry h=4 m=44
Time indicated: h=3 m=32
